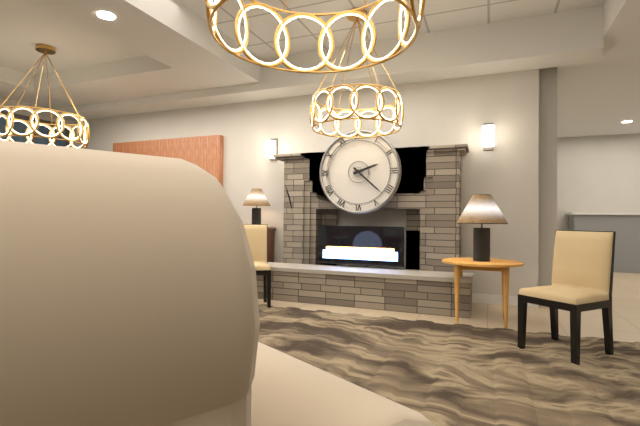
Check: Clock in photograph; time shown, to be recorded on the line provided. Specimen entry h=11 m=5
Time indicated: h=2 m=22
